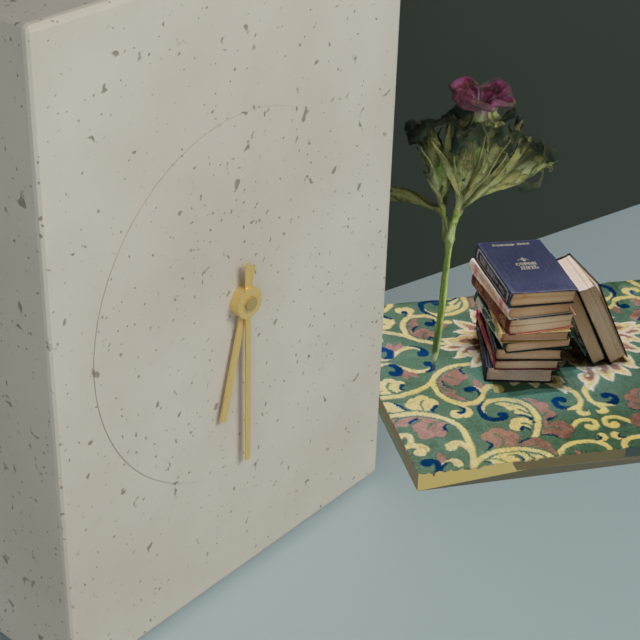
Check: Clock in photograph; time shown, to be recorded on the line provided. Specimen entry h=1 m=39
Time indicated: h=6 m=30
